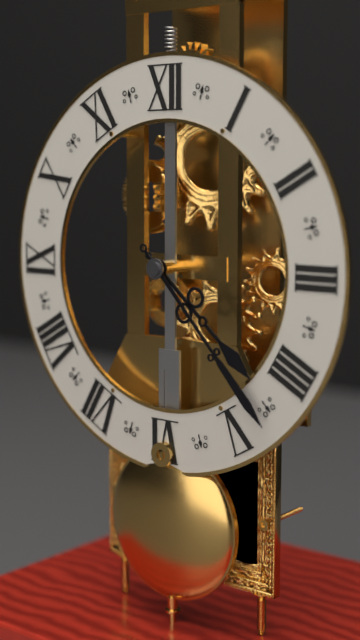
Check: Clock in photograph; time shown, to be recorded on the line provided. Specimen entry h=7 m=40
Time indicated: h=4 m=23
